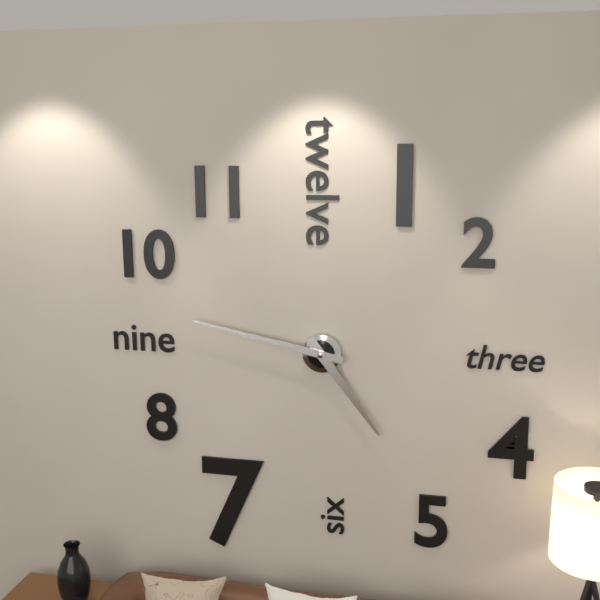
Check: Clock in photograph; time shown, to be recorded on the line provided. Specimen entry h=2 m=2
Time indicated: h=4 m=47
